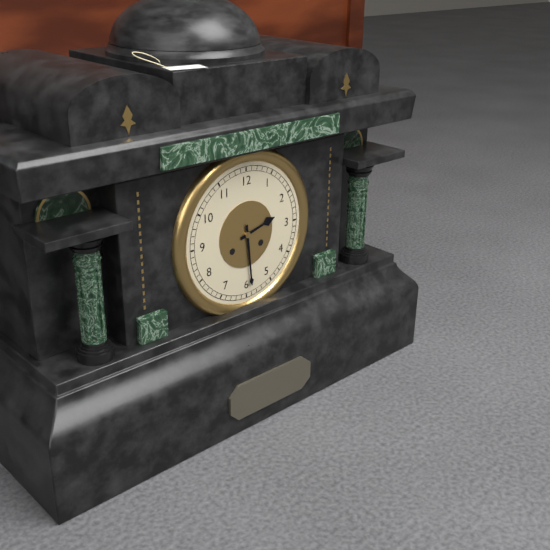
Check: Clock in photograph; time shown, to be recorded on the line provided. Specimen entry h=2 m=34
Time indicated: h=2 m=29
